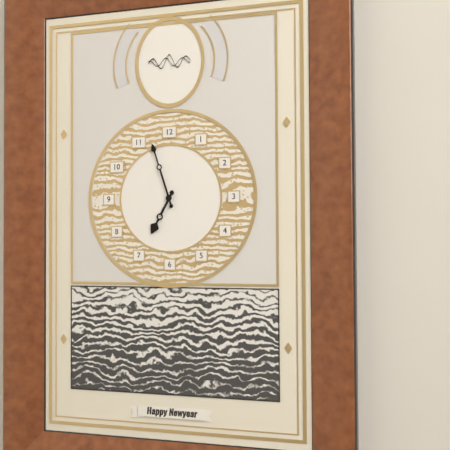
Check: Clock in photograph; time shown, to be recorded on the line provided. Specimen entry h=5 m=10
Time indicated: h=6 m=57
